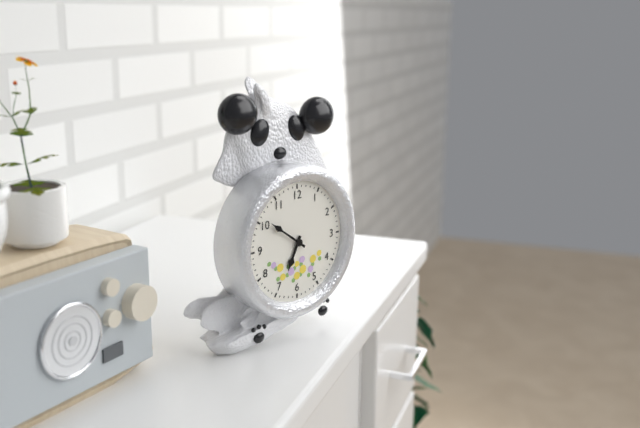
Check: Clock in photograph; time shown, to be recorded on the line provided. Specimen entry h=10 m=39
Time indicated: h=6 m=51
